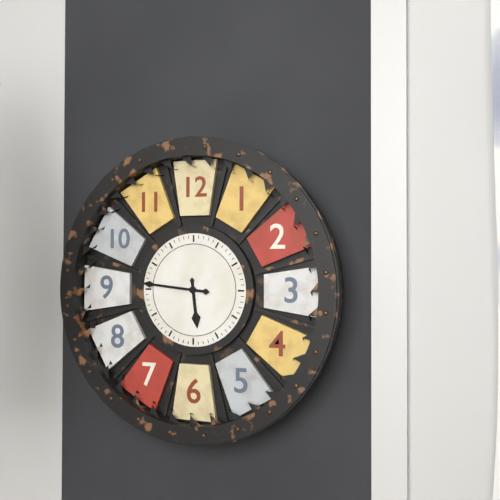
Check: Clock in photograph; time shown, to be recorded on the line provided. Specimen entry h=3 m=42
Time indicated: h=5 m=46
